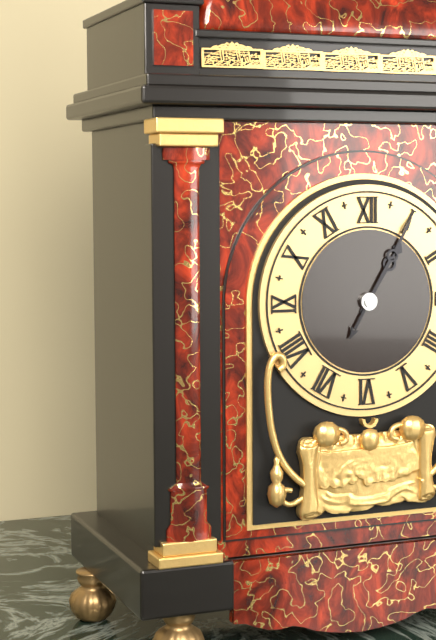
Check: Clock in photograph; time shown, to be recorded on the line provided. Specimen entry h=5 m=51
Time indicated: h=1 m=5
